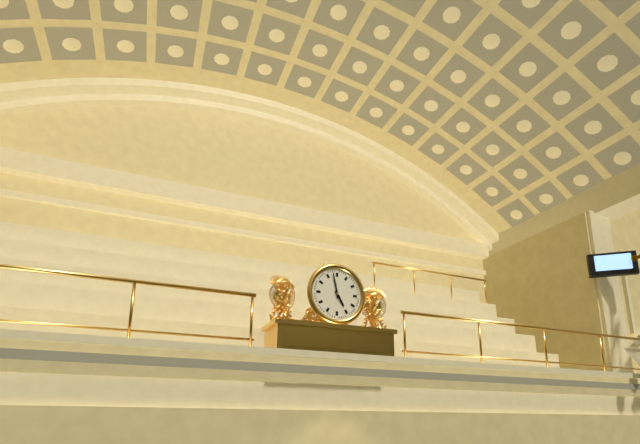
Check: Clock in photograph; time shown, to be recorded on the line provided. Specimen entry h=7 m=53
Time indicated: h=4 m=58
